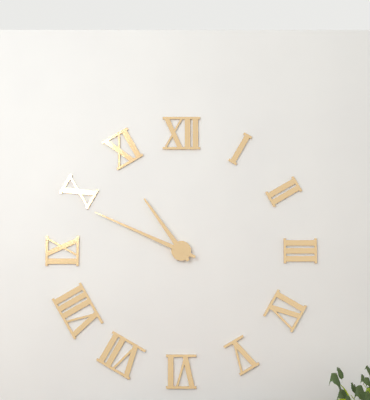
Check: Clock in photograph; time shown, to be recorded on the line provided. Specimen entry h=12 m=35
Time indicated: h=10 m=49
